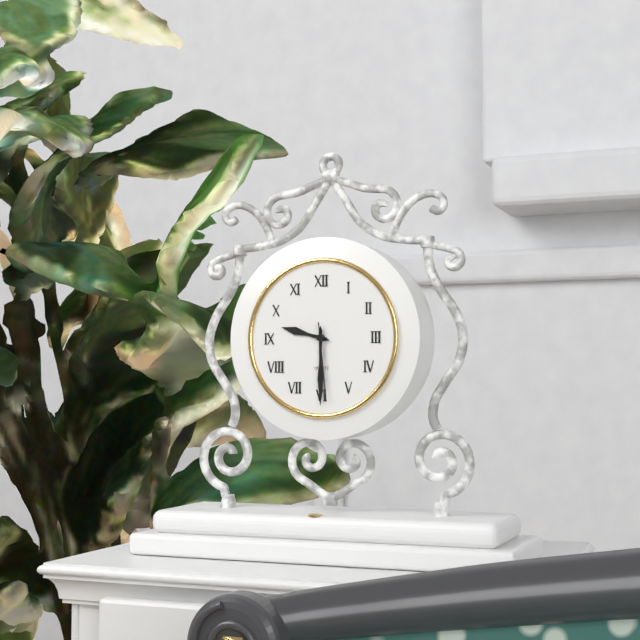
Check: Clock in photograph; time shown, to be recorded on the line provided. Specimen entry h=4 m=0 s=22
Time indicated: h=9 m=30 s=29
